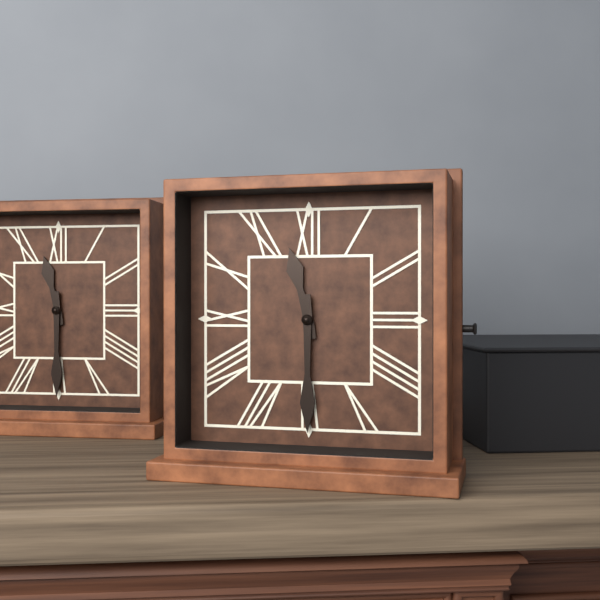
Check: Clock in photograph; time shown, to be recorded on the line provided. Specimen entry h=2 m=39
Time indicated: h=11 m=30
